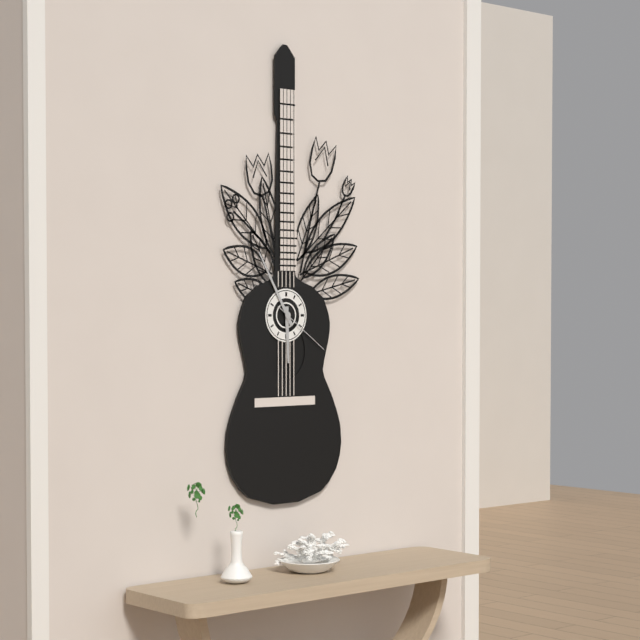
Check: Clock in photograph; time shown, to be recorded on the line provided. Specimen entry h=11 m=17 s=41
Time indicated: h=5 m=55 s=21
